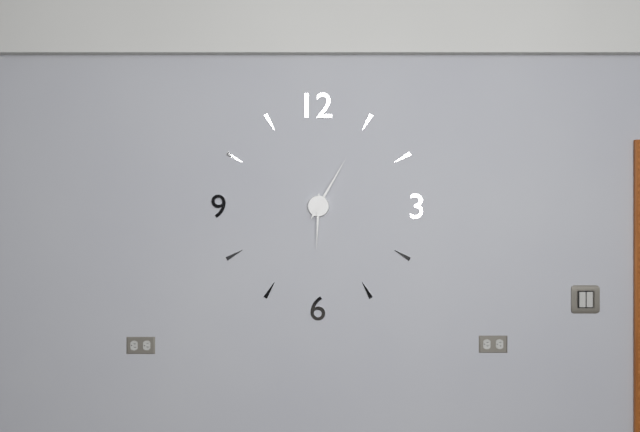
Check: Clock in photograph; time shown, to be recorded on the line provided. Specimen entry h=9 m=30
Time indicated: h=6 m=5
